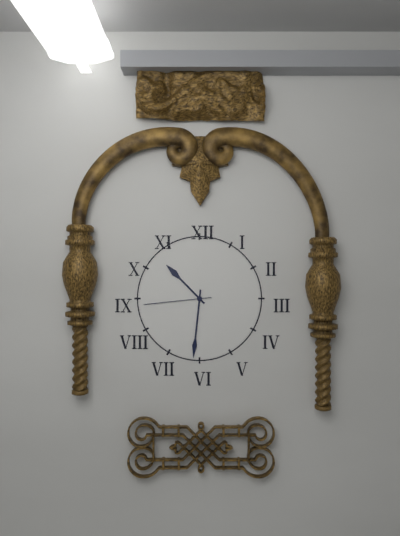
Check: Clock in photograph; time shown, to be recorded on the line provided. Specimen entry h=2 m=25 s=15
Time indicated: h=10 m=31 s=44
